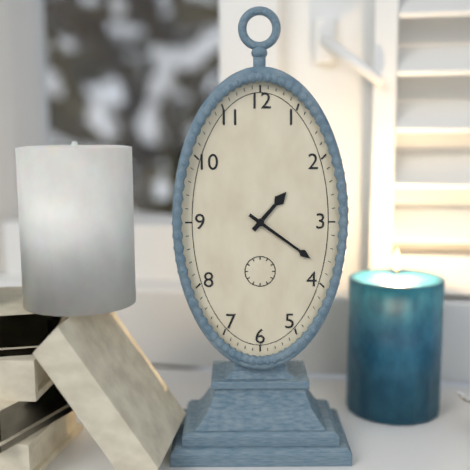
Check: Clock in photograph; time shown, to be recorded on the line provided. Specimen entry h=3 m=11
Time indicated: h=1 m=21
